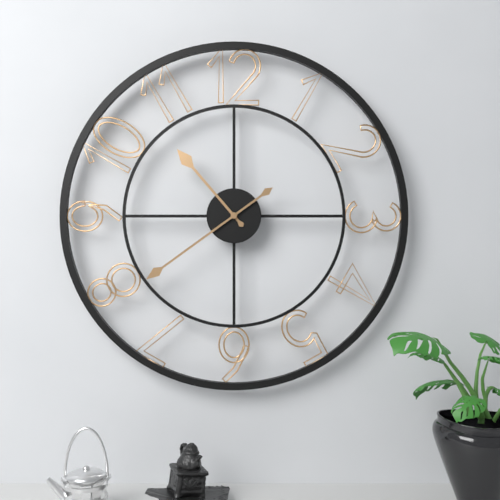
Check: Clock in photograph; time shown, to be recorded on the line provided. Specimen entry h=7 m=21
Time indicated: h=10 m=39
